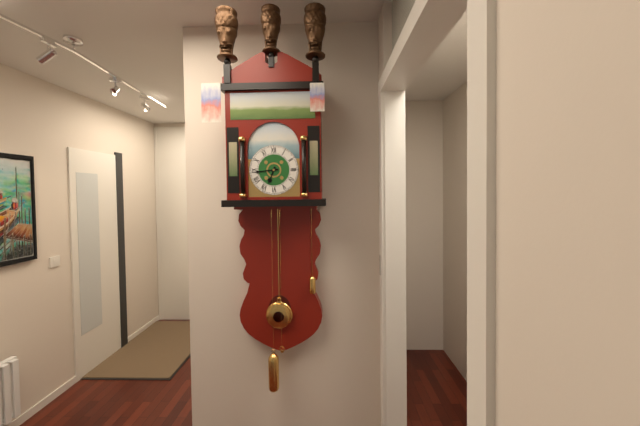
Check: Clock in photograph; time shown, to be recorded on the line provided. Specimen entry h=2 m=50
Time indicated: h=6 m=44
